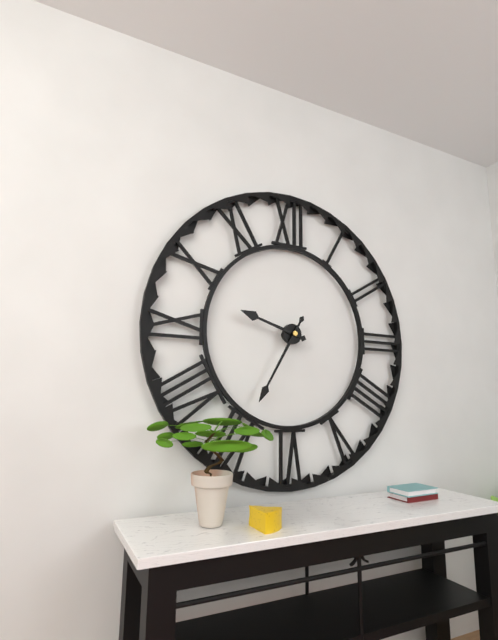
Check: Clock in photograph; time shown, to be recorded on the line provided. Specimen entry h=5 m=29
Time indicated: h=9 m=35
